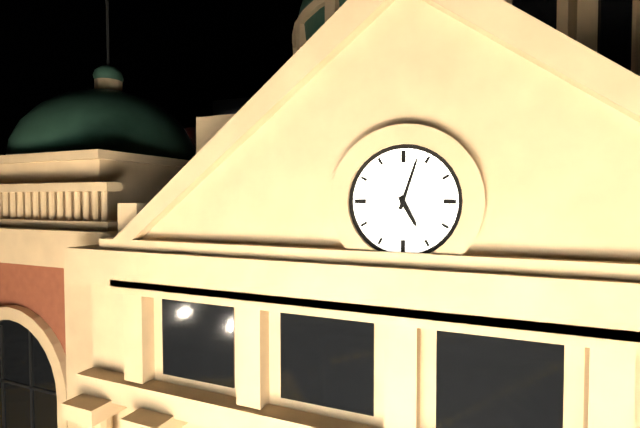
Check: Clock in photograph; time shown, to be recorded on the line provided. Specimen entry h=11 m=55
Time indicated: h=5 m=3
